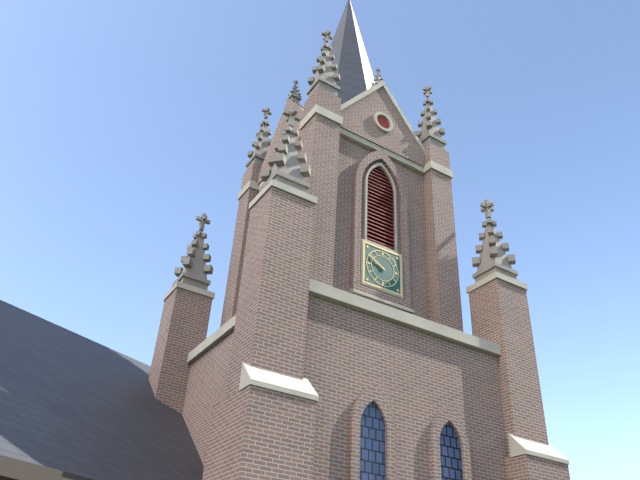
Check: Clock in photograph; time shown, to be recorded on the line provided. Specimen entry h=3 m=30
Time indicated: h=9 m=50
